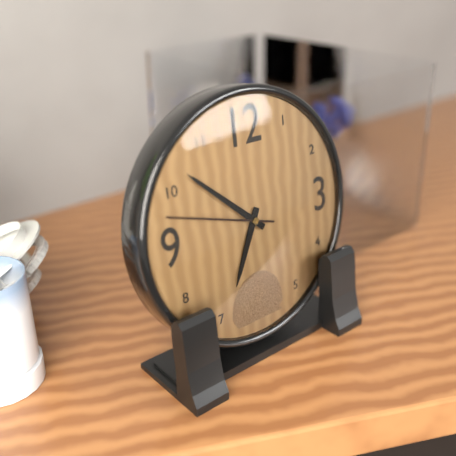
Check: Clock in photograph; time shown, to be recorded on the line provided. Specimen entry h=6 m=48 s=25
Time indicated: h=6 m=52 s=48
